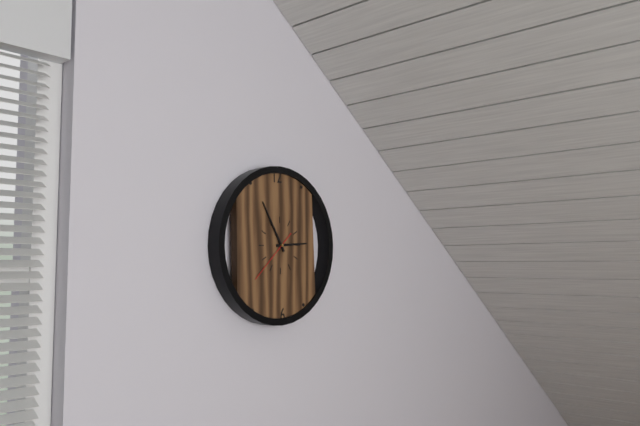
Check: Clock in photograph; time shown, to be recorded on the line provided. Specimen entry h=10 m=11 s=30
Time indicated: h=2 m=55 s=38
